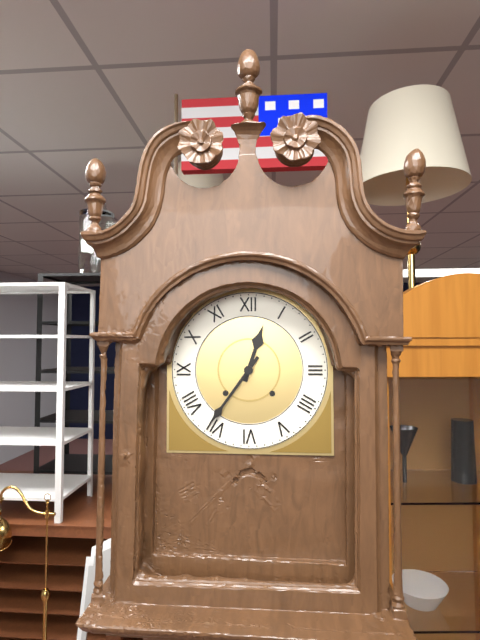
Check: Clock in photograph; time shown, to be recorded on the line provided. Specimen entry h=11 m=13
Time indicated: h=12 m=36
